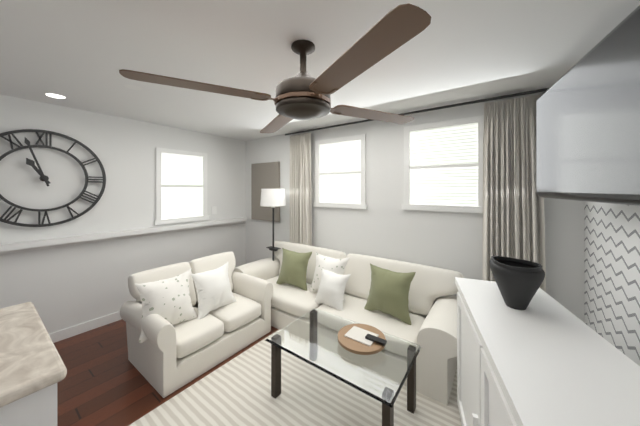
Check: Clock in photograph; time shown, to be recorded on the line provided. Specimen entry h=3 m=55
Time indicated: h=10 m=57
